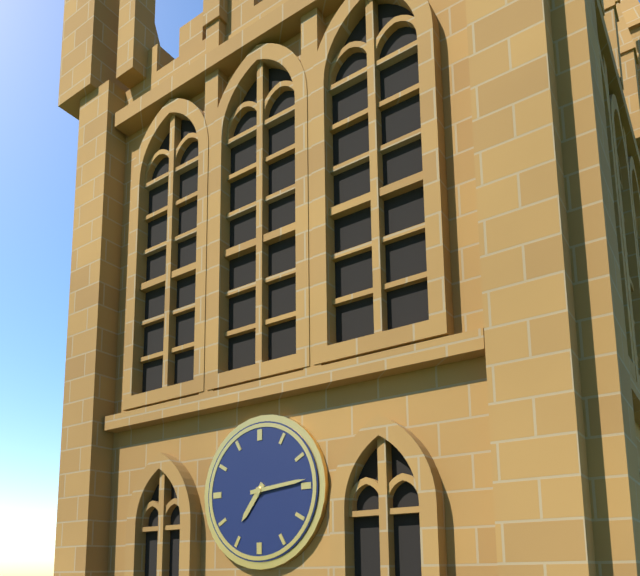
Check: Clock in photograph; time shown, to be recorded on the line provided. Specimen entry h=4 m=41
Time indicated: h=7 m=14
